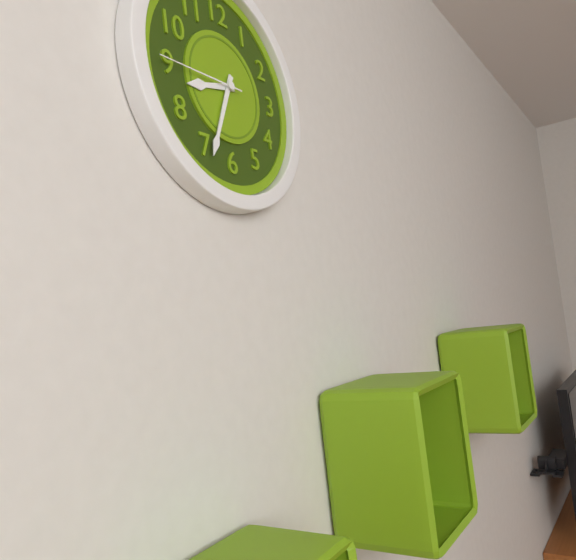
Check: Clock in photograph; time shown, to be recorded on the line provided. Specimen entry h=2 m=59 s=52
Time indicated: h=8 m=34 s=45
